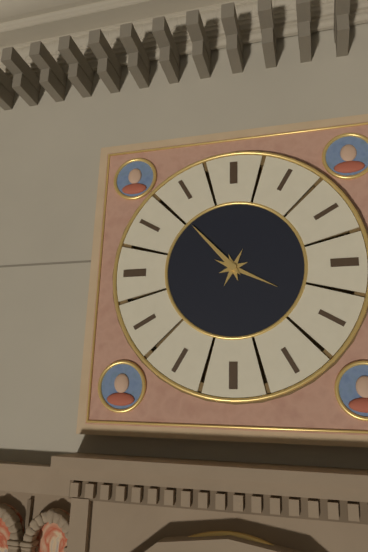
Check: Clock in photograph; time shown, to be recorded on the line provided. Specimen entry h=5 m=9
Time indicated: h=3 m=53
